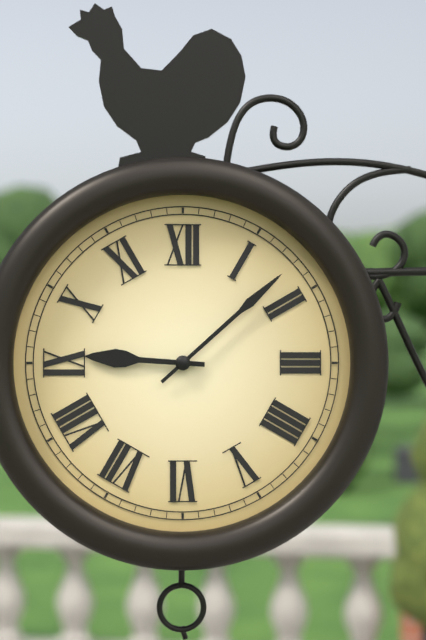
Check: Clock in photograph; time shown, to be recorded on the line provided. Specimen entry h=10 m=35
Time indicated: h=9 m=8
